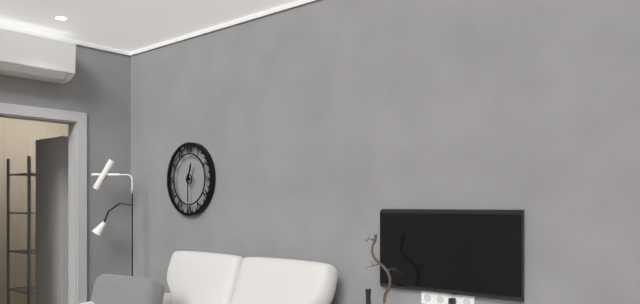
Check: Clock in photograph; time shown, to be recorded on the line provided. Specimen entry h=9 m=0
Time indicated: h=12 m=30
